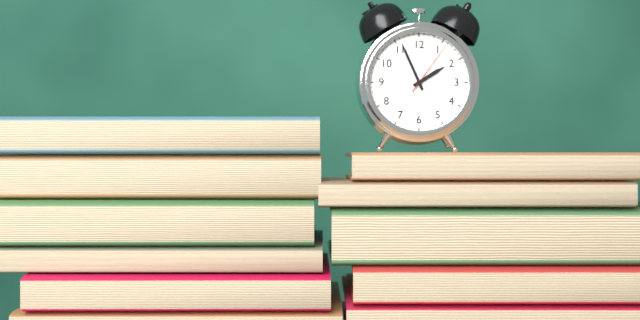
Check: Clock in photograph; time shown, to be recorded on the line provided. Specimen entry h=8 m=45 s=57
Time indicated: h=1 m=56 s=6
